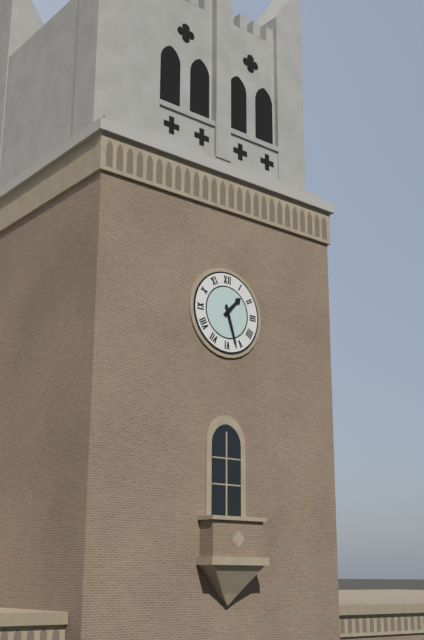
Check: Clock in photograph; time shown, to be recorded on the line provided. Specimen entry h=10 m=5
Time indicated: h=1 m=27
